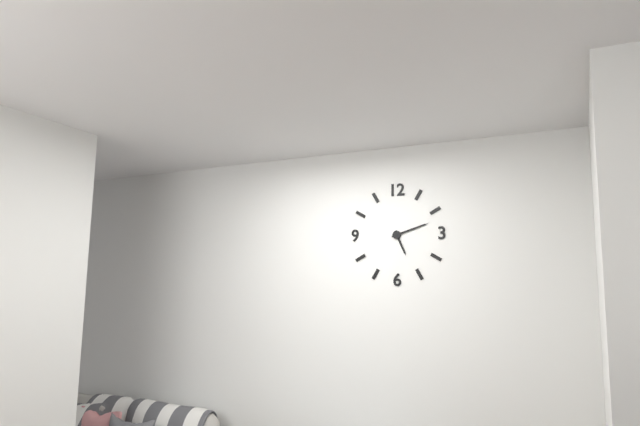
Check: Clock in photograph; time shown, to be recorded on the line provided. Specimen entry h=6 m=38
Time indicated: h=5 m=12
